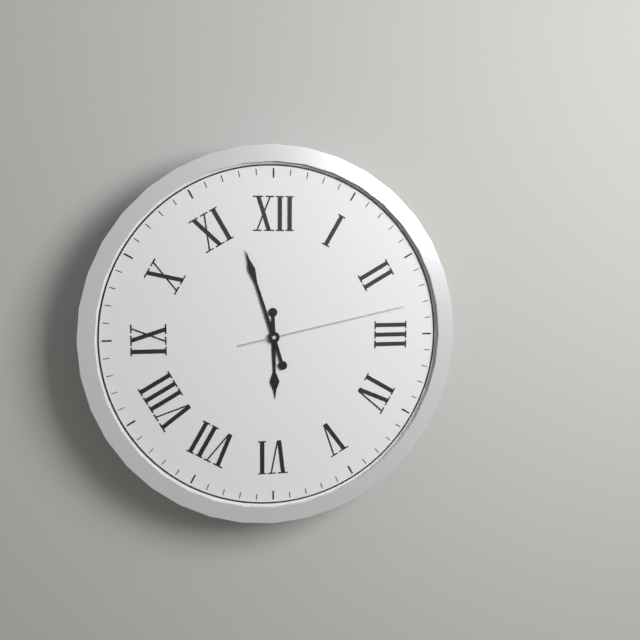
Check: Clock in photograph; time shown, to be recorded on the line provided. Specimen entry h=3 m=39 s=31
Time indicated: h=5 m=57 s=13
